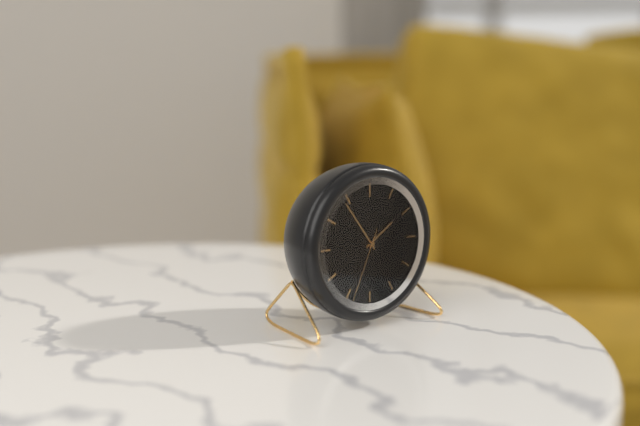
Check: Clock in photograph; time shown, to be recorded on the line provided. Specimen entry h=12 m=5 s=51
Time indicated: h=1 m=54 s=34
